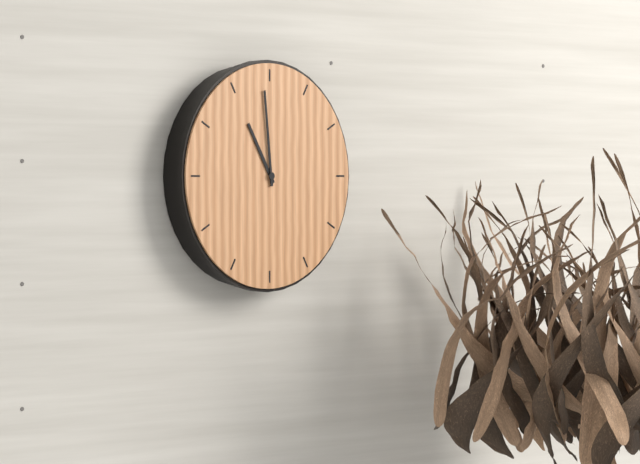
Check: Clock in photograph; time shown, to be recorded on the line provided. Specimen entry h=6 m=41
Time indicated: h=10 m=59
